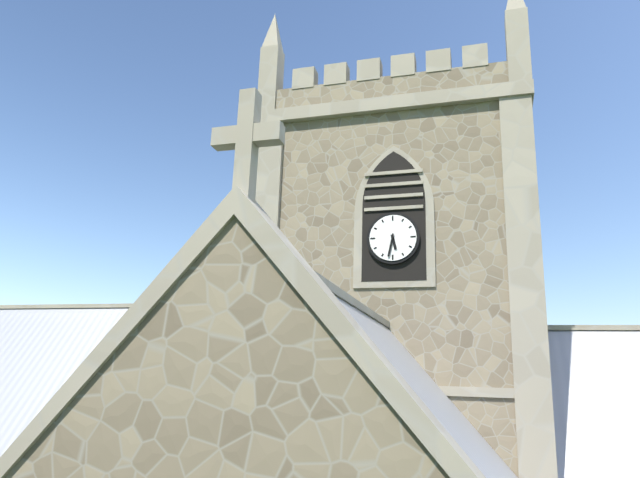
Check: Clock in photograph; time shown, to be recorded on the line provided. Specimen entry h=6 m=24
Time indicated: h=5 m=32
